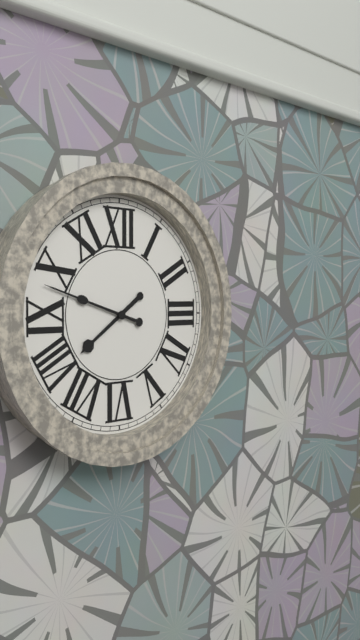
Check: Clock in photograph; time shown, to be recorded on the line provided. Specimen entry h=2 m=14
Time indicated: h=7 m=48
